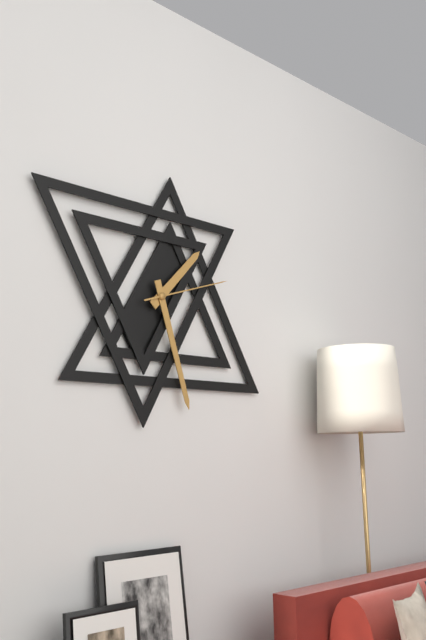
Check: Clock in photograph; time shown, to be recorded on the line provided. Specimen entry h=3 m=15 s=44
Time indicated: h=1 m=27 s=12
